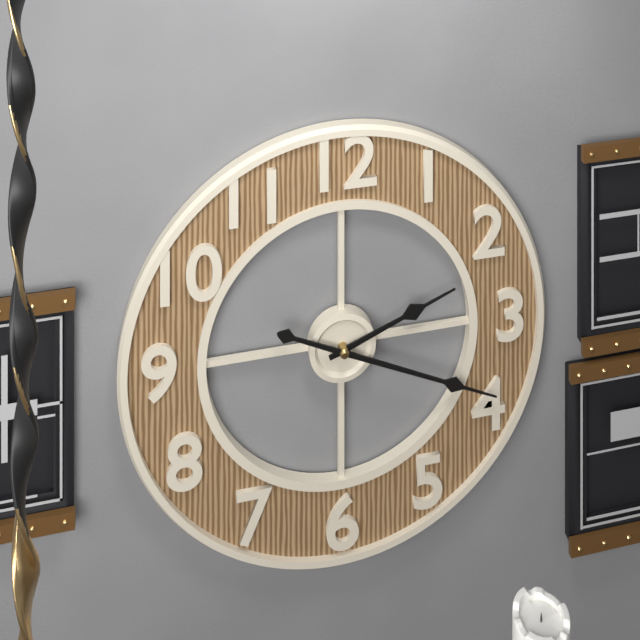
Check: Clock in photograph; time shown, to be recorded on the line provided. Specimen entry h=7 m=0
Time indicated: h=2 m=19
